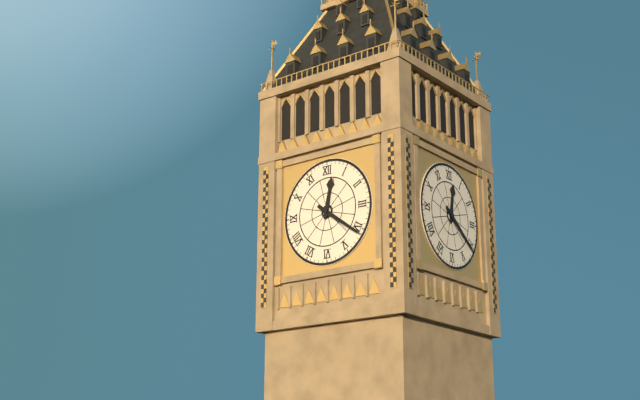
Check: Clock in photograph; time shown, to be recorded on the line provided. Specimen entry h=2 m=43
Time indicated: h=12 m=21
